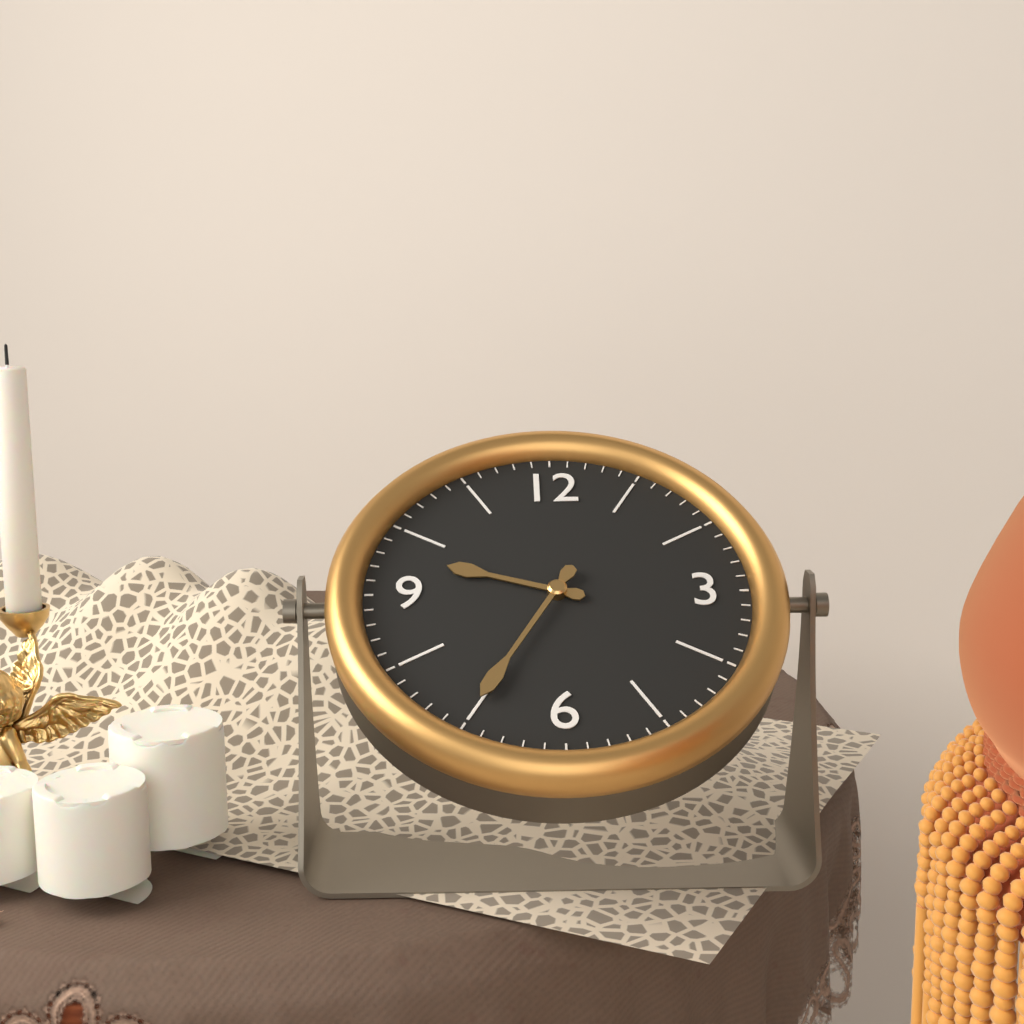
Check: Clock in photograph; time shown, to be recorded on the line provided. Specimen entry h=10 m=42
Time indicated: h=9 m=35
